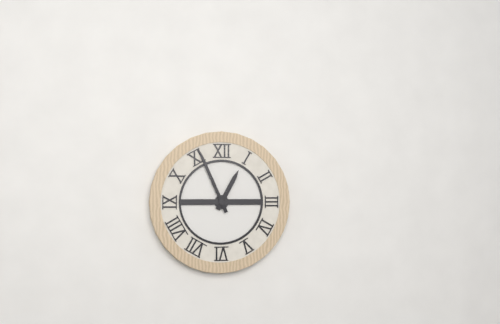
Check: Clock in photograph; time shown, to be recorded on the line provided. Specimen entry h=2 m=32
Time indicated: h=12 m=56
